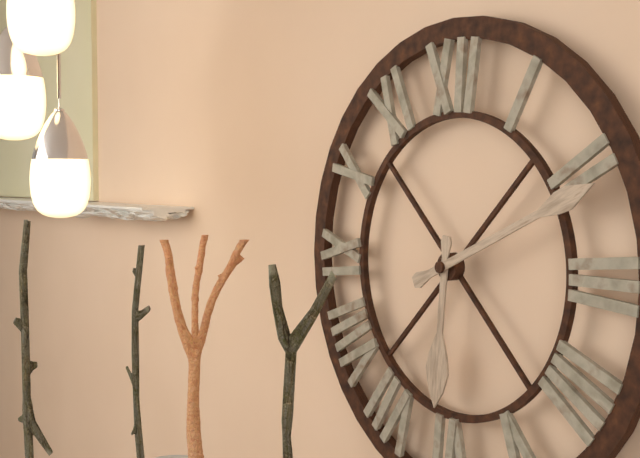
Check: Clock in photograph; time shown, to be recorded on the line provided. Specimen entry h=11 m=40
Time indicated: h=6 m=11
